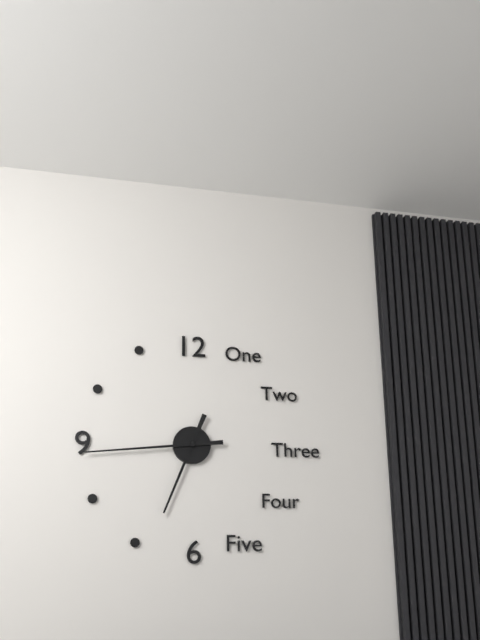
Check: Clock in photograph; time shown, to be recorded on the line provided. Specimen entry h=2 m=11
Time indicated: h=6 m=44
